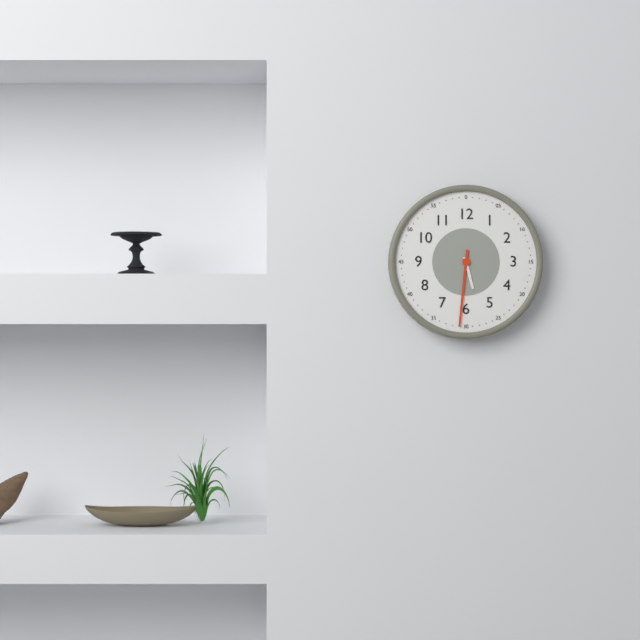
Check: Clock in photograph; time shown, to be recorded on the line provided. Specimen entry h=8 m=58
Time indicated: h=5 m=31
